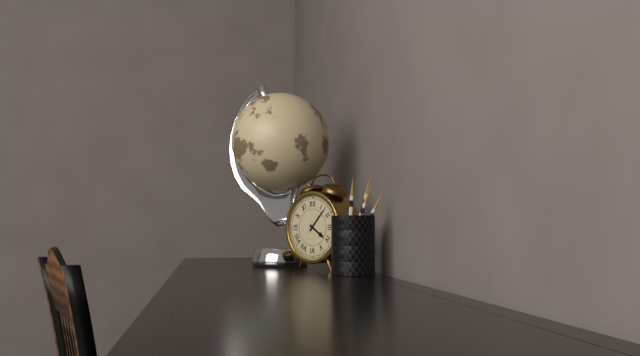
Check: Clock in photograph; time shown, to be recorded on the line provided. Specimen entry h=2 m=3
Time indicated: h=4 m=7
